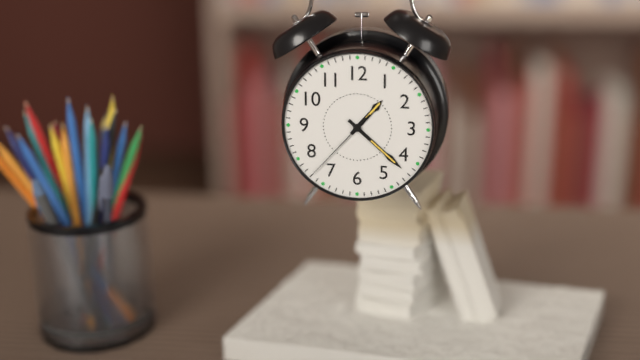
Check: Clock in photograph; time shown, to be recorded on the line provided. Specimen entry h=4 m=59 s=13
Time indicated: h=1 m=22 s=37
